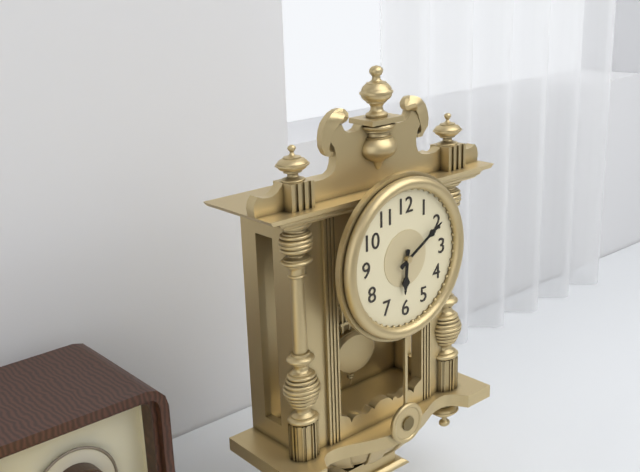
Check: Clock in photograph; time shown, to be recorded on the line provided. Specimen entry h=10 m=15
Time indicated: h=6 m=10
